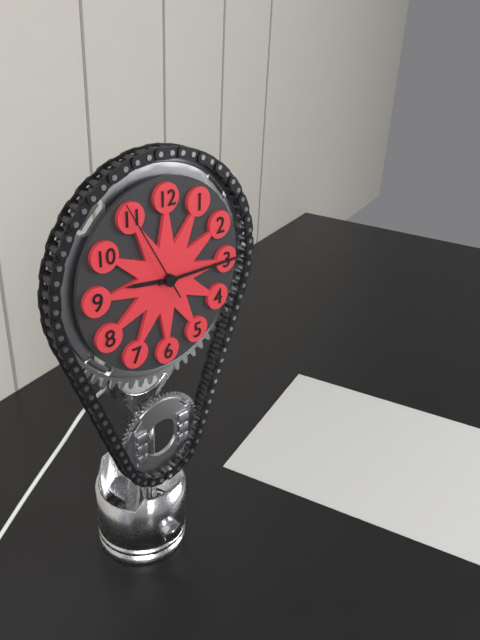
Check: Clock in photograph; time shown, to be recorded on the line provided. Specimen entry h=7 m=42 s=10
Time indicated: h=9 m=15 s=55
